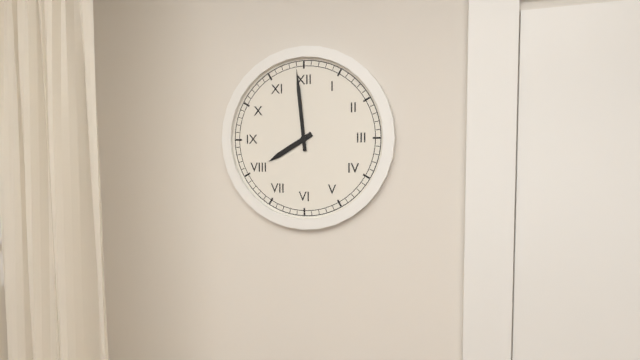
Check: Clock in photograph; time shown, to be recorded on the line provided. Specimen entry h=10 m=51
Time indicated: h=7 m=59
